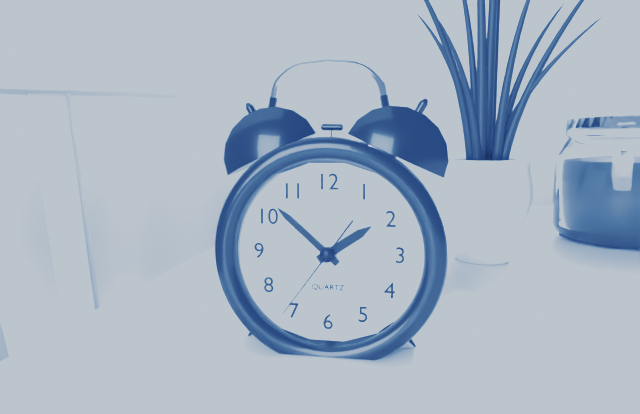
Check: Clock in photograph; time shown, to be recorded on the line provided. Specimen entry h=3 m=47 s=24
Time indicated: h=1 m=52 s=36
